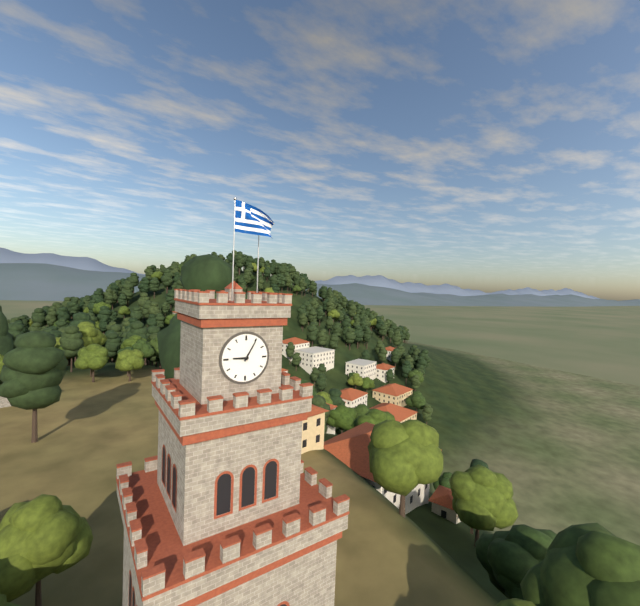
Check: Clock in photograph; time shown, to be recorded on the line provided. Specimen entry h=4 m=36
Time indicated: h=9 m=5
